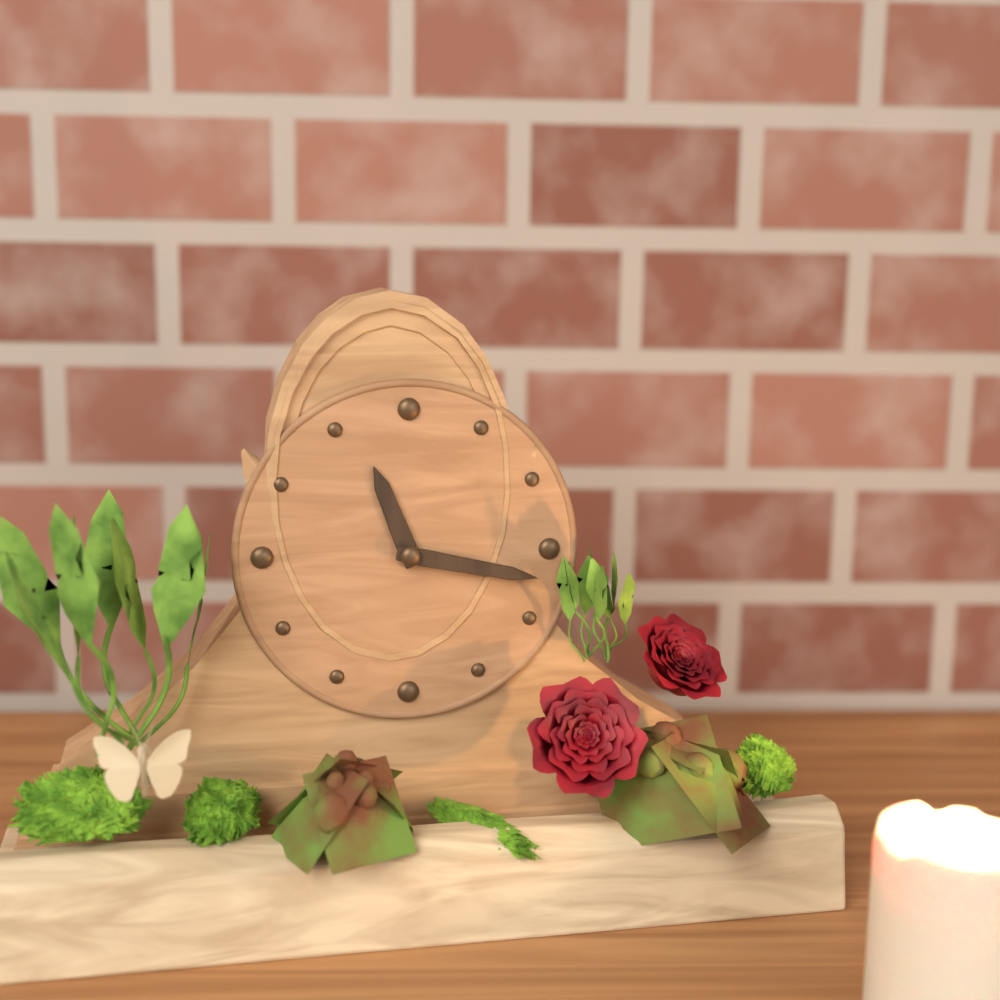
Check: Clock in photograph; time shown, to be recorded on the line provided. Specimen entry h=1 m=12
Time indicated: h=11 m=17
